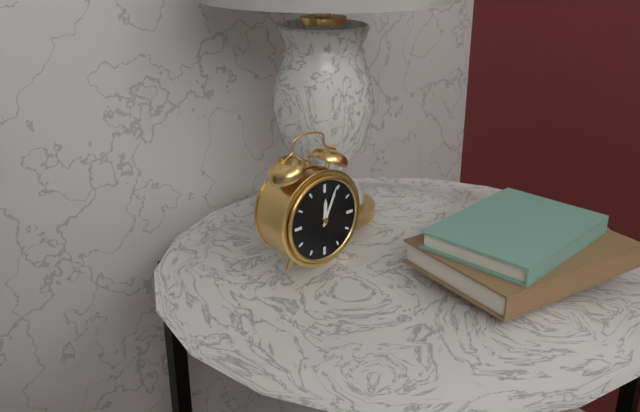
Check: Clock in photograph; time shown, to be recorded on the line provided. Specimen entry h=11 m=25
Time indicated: h=12 m=4
